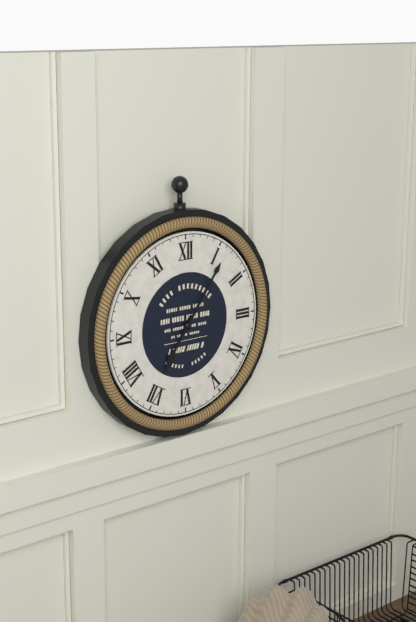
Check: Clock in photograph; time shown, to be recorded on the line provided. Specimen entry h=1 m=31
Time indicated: h=7 m=6
